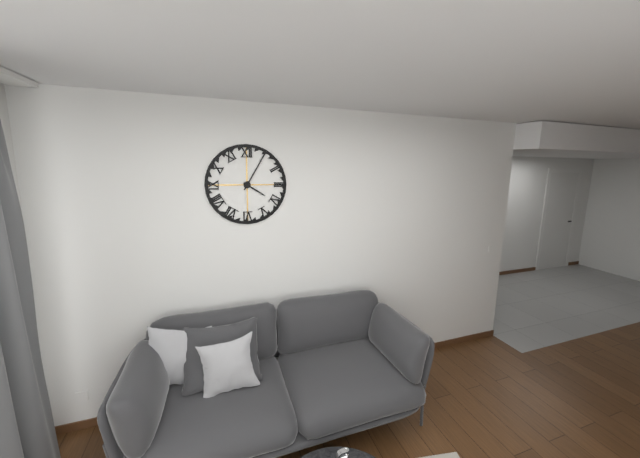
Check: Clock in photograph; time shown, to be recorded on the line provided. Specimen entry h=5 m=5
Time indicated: h=4 m=5
